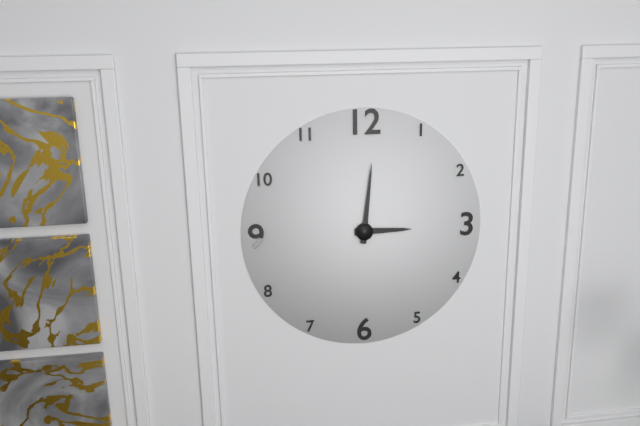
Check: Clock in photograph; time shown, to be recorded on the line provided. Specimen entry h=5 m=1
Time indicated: h=3 m=1
